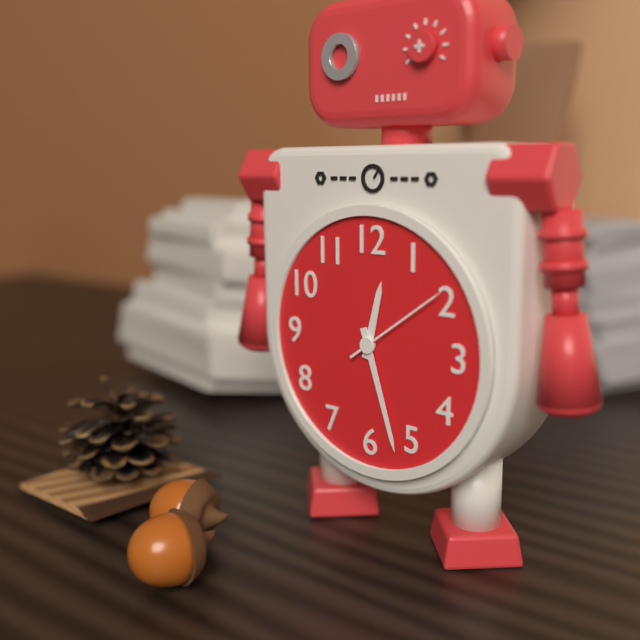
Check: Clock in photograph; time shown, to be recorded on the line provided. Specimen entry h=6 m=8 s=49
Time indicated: h=12 m=27 s=9
